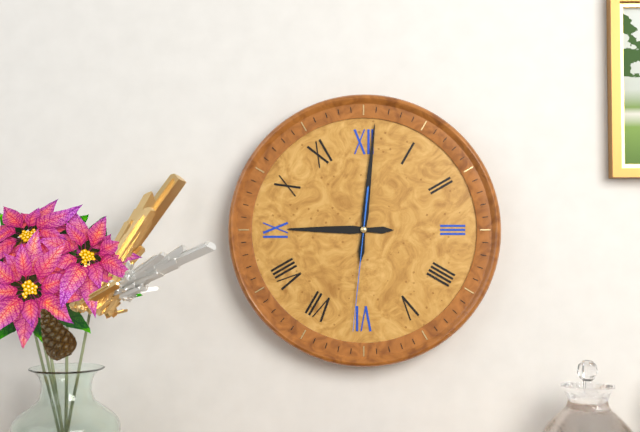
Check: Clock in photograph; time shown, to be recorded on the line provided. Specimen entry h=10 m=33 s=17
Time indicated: h=9 m=1 s=31
